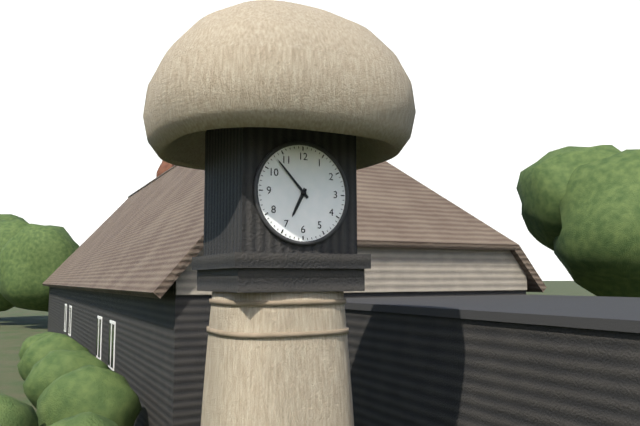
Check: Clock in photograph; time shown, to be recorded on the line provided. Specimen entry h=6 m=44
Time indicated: h=6 m=53
